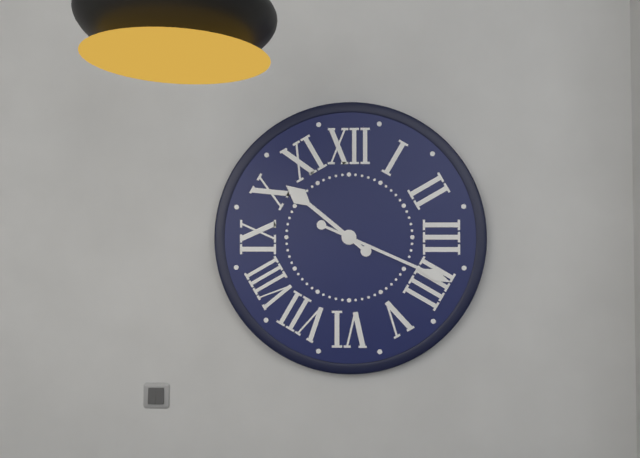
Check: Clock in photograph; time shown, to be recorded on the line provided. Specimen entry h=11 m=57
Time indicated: h=10 m=19
